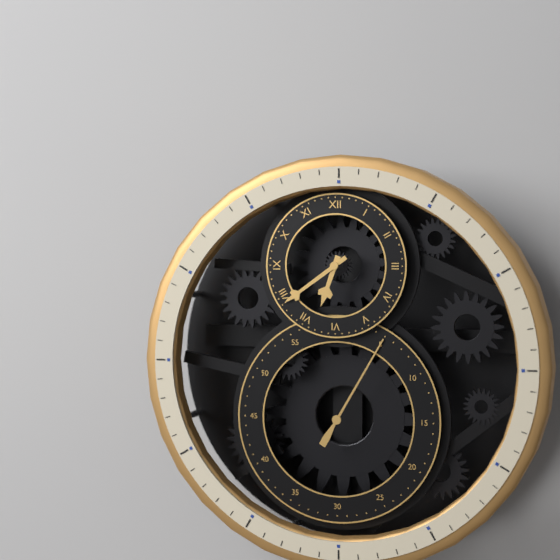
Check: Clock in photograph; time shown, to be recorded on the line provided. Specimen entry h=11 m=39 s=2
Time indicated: h=6 m=39 s=5
